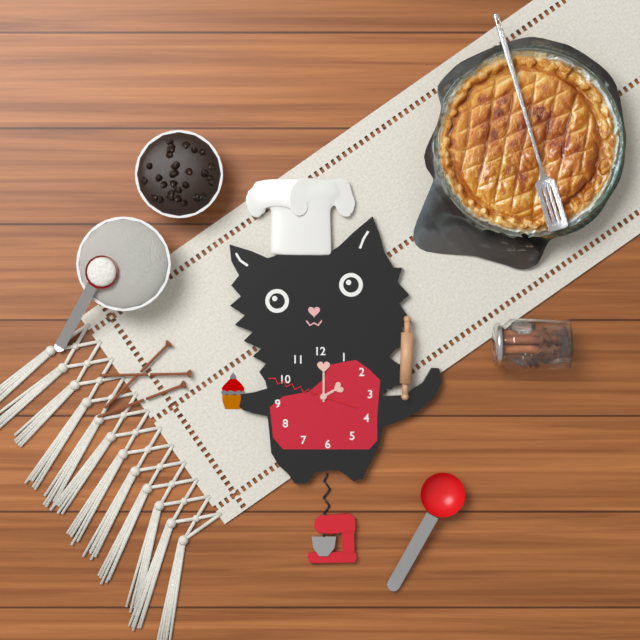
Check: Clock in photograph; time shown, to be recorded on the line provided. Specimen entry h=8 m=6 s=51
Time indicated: h=2 m=0 s=48
